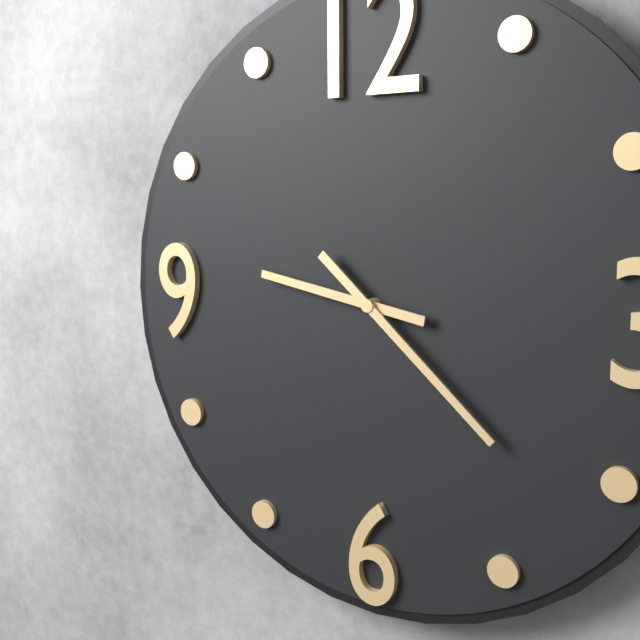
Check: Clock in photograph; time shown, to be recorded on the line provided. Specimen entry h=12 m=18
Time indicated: h=9 m=22
